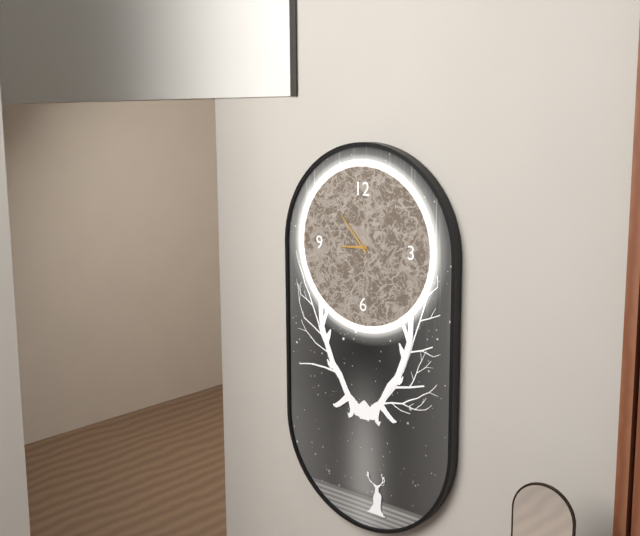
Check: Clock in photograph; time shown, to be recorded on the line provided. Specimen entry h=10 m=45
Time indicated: h=8 m=53
